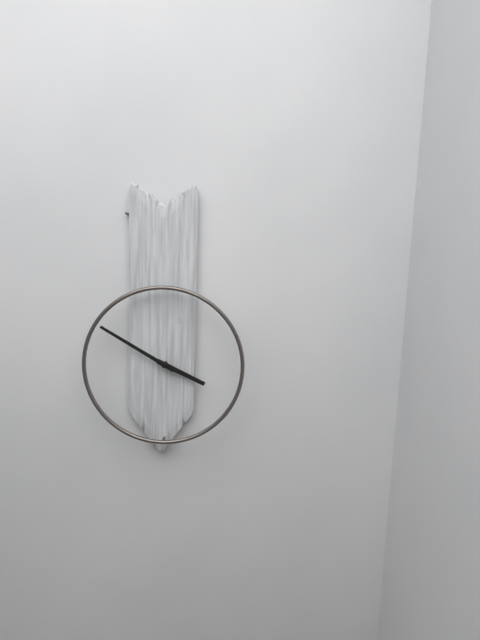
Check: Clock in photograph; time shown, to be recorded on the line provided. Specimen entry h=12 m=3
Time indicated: h=3 m=50
